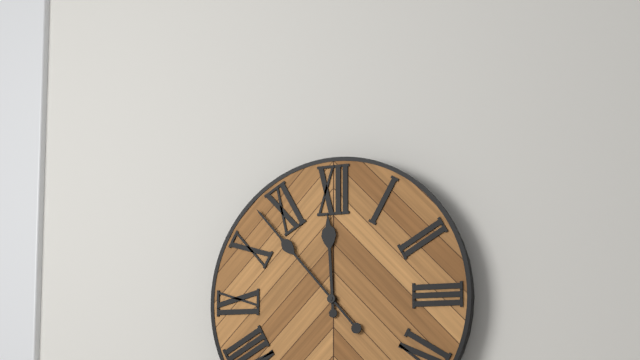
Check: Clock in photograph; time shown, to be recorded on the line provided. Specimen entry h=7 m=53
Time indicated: h=11 m=53
